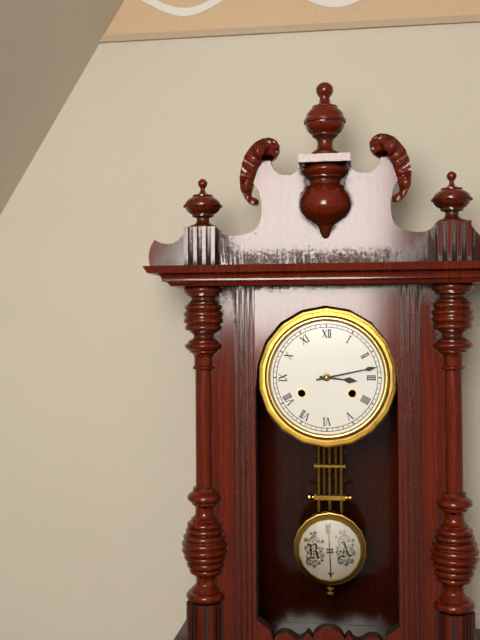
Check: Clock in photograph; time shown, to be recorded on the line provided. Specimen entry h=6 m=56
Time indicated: h=3 m=13
